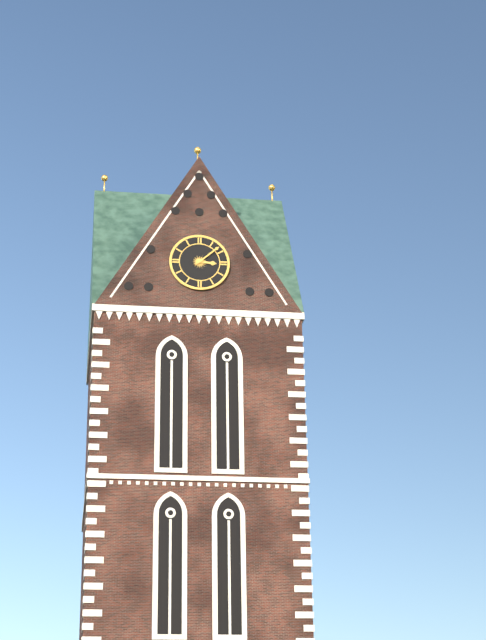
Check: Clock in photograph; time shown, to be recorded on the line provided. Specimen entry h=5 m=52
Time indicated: h=3 m=8
